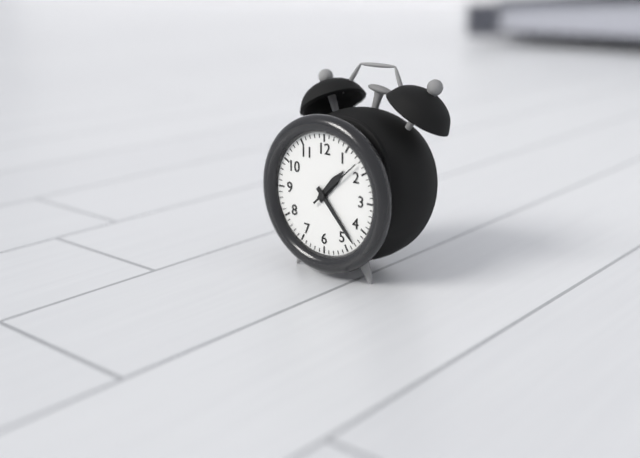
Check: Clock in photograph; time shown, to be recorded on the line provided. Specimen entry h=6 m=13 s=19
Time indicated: h=1 m=23 s=8
